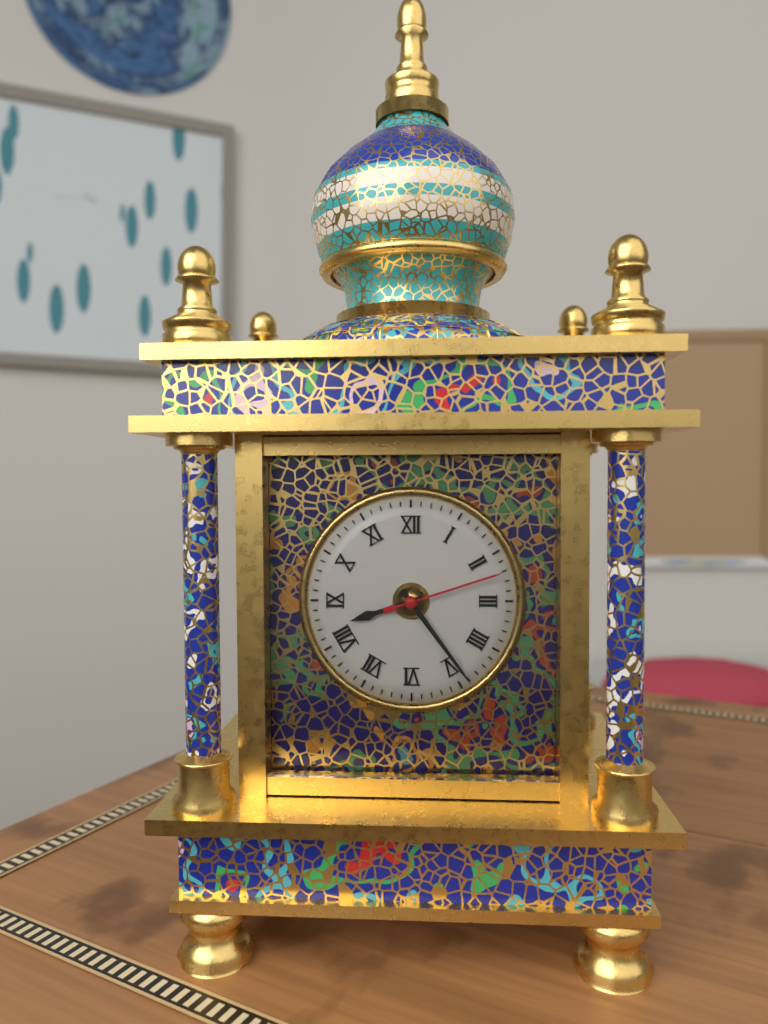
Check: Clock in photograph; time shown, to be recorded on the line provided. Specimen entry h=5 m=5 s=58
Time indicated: h=8 m=24 s=12
